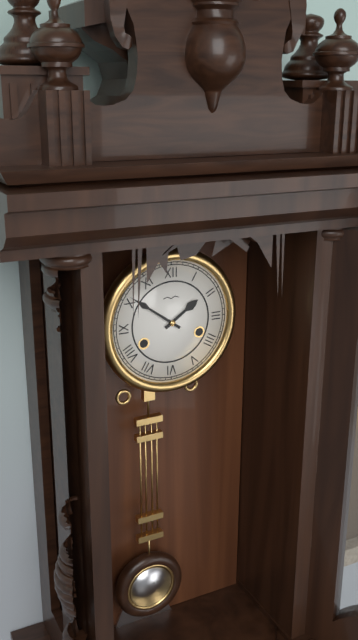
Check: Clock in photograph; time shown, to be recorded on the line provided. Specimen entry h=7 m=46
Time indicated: h=1 m=51
